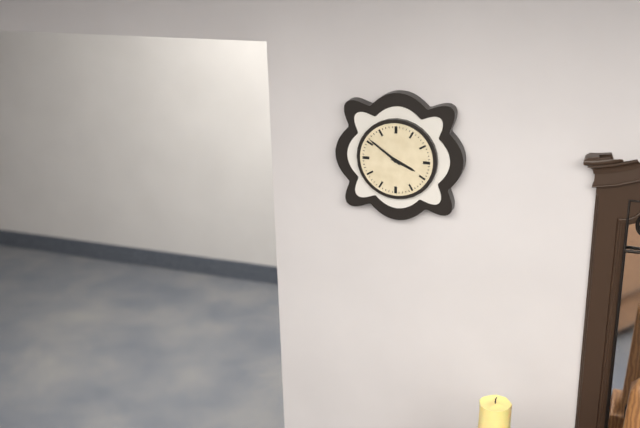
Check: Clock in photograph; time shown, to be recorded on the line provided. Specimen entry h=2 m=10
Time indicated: h=3 m=51
